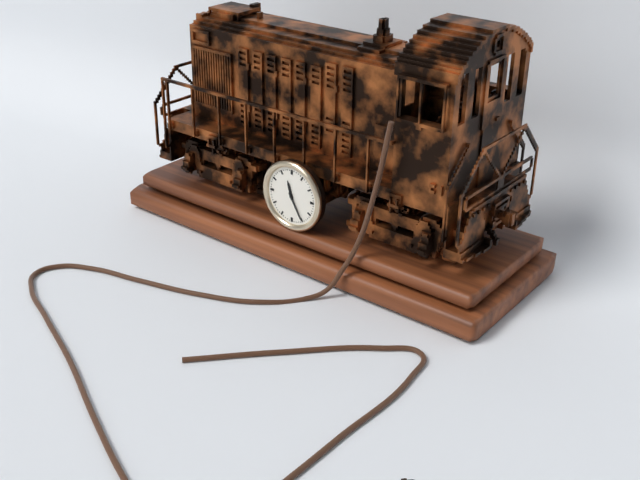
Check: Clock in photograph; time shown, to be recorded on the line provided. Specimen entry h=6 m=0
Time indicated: h=11 m=25
